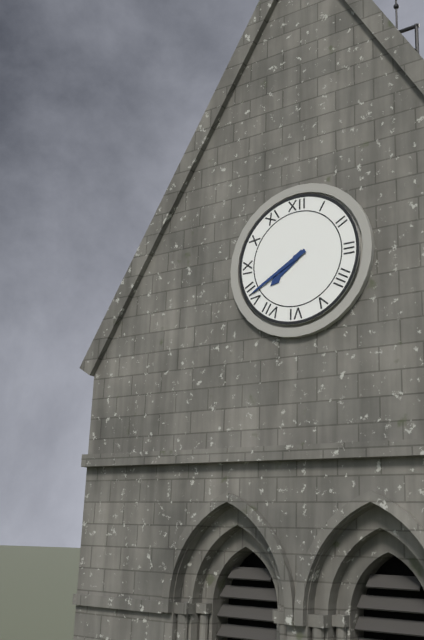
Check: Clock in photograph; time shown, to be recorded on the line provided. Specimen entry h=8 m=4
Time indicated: h=7 m=40
